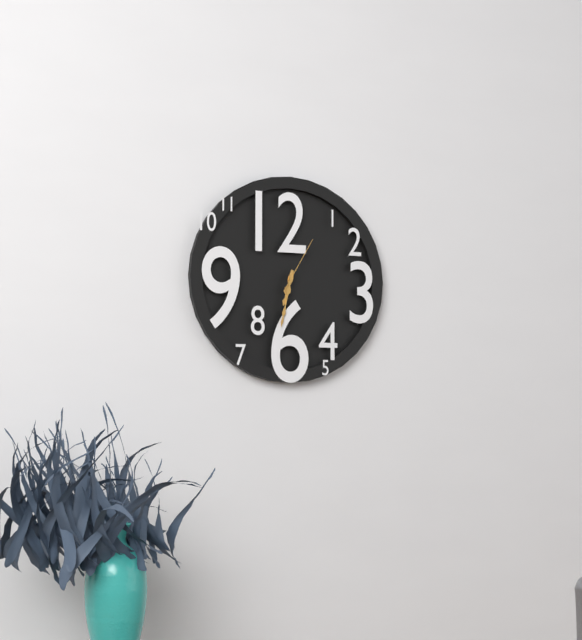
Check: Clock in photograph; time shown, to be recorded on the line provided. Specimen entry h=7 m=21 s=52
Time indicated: h=6 m=32 s=5
